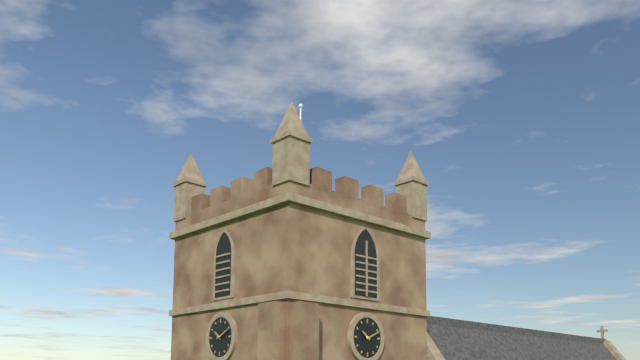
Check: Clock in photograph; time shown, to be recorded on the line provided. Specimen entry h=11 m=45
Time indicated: h=10 m=11
